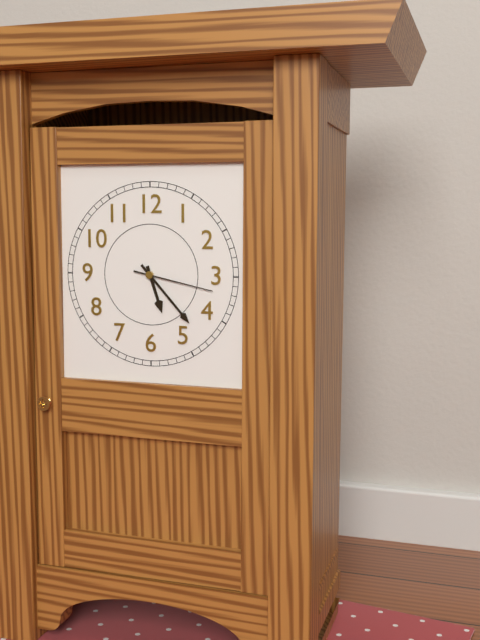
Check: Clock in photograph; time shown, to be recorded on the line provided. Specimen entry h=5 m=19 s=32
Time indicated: h=5 m=23 s=17
